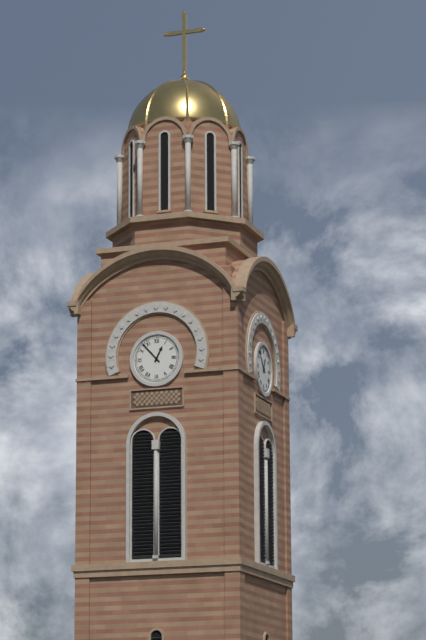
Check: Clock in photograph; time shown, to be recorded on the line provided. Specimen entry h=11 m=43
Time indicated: h=12 m=53
